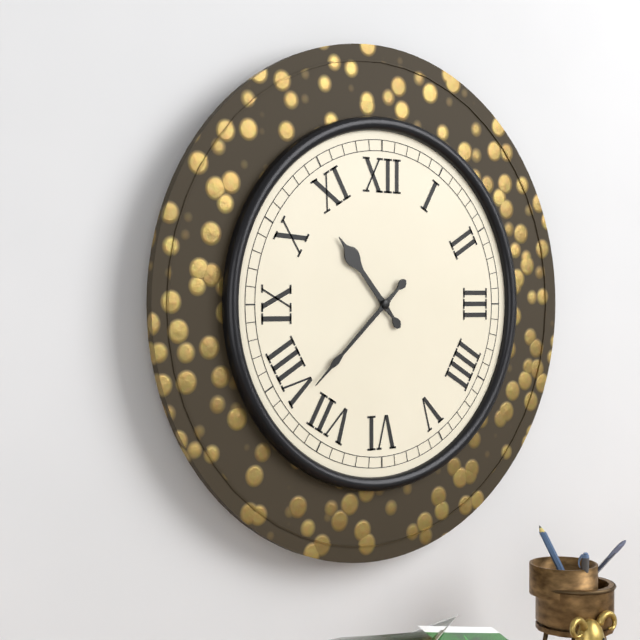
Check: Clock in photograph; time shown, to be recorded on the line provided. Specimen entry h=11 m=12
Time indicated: h=10 m=38
